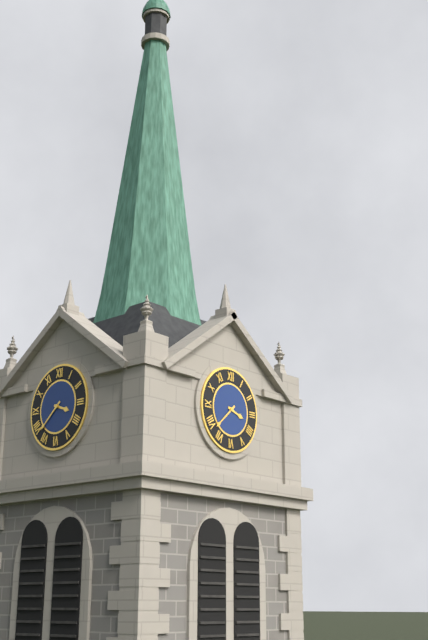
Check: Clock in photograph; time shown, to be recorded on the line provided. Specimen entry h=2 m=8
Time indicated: h=3 m=38
